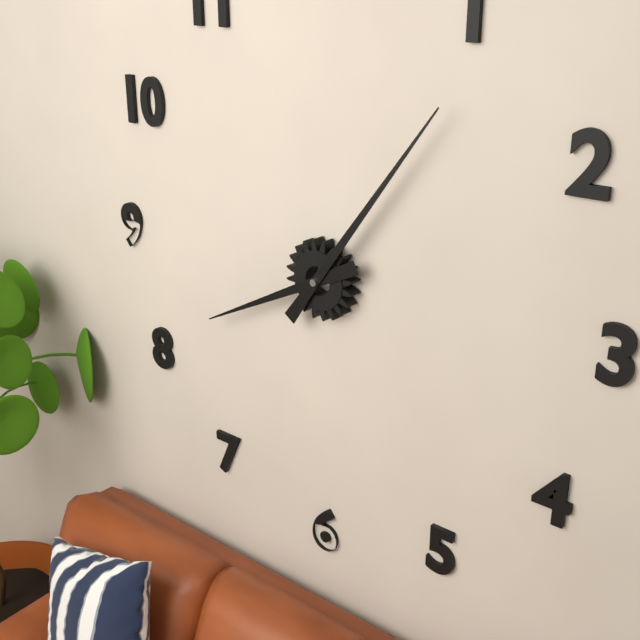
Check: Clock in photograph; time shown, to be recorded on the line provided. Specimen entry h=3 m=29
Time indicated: h=8 m=6
